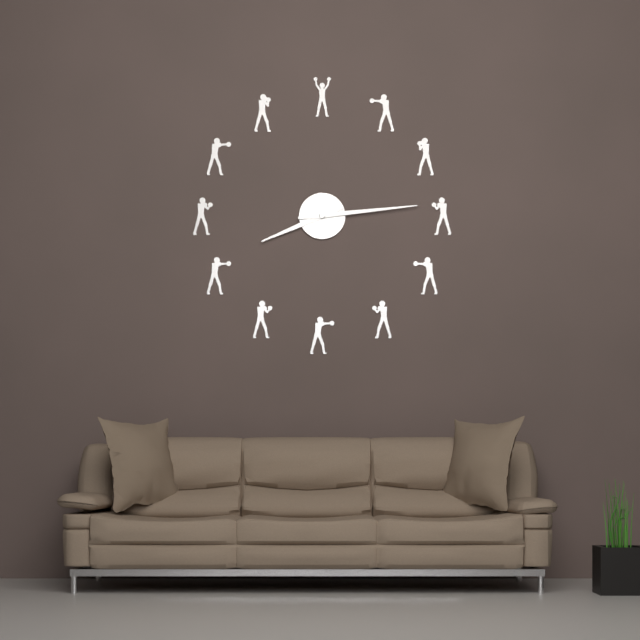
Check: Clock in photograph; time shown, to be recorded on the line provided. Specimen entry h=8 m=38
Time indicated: h=8 m=14
